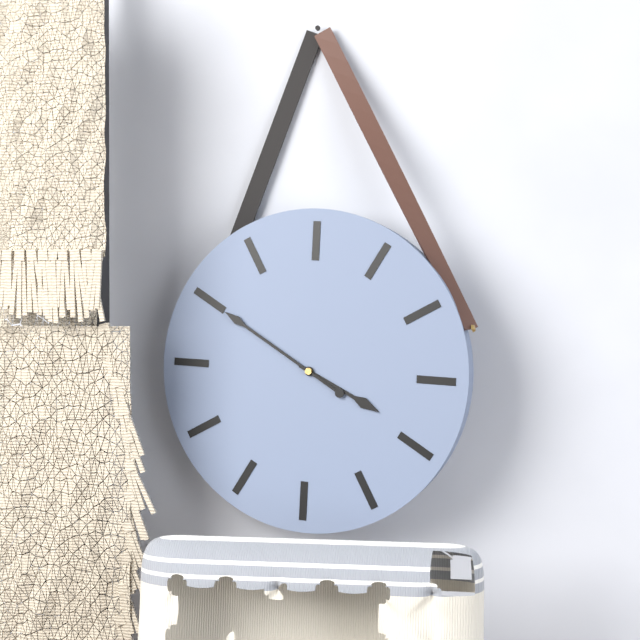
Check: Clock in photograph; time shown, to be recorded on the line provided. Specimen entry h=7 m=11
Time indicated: h=3 m=50
